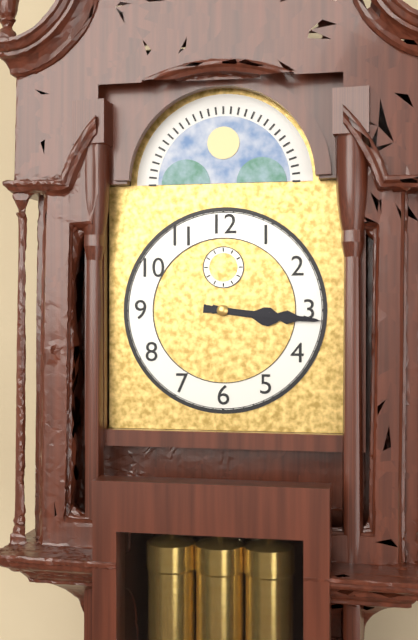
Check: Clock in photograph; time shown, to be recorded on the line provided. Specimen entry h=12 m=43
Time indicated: h=3 m=16
